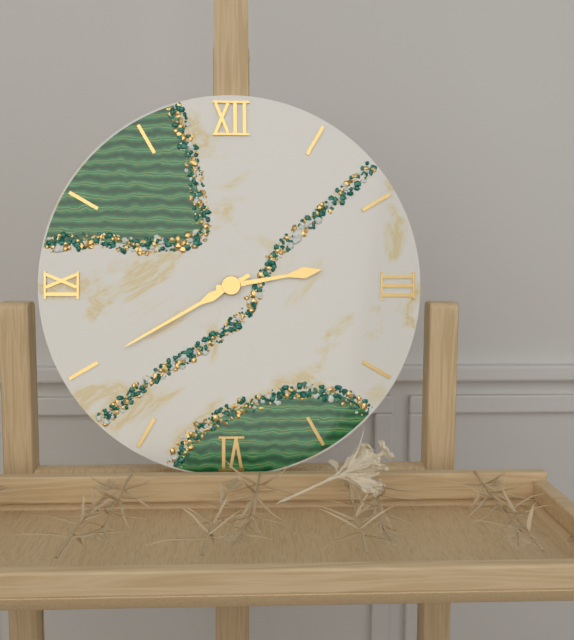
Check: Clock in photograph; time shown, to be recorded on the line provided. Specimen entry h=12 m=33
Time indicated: h=2 m=40
